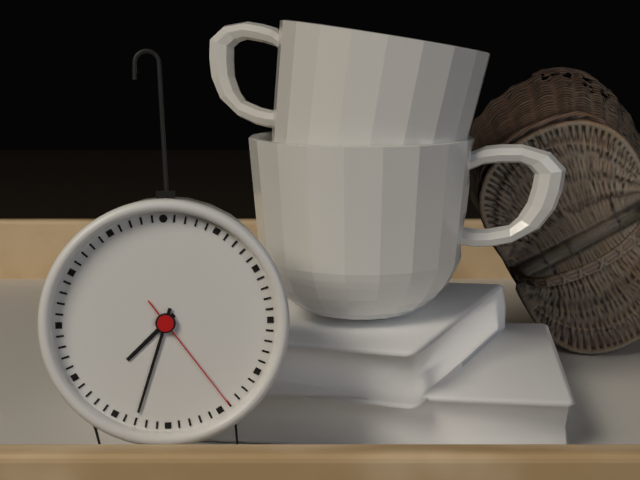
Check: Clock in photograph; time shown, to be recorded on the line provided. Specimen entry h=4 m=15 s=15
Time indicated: h=7 m=33 s=24
